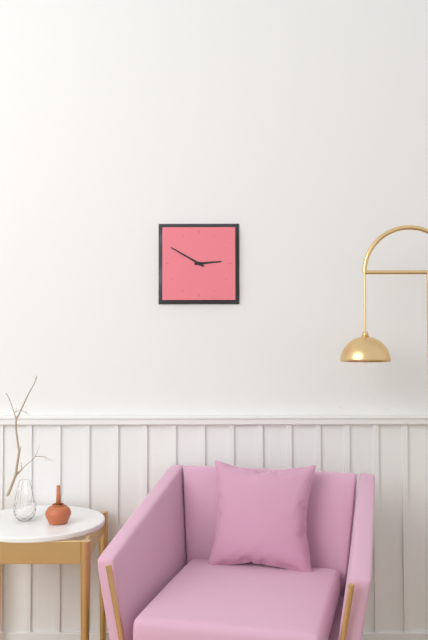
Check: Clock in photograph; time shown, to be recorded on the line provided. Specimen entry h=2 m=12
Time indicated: h=2 m=50
